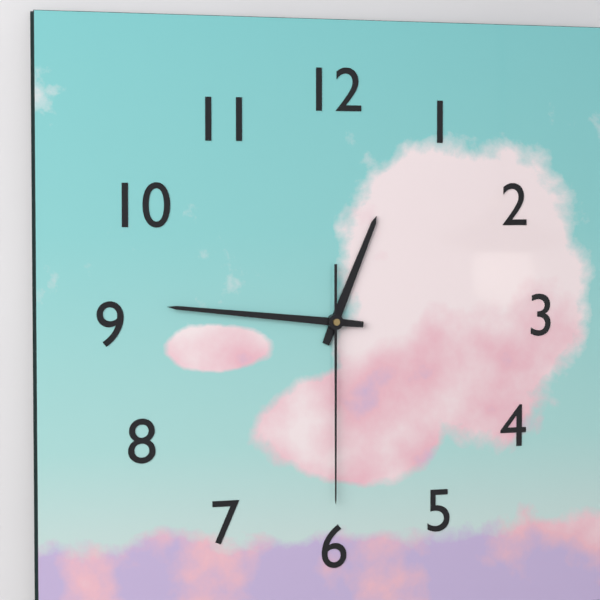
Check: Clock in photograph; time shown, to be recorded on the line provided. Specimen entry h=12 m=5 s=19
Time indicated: h=12 m=46 s=30
